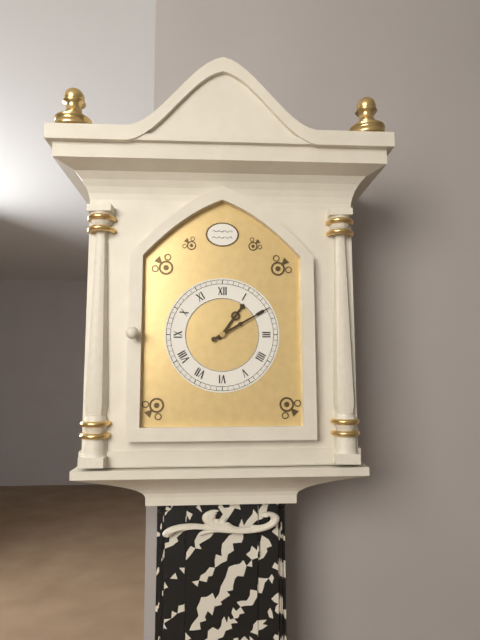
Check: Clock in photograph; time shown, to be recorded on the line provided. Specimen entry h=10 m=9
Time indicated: h=1 m=10
